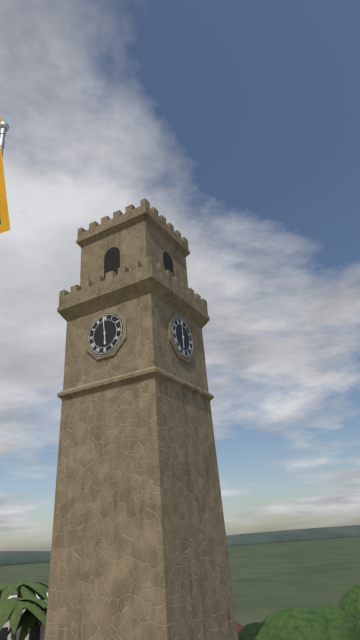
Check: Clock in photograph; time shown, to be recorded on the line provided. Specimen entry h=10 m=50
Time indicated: h=5 m=59
